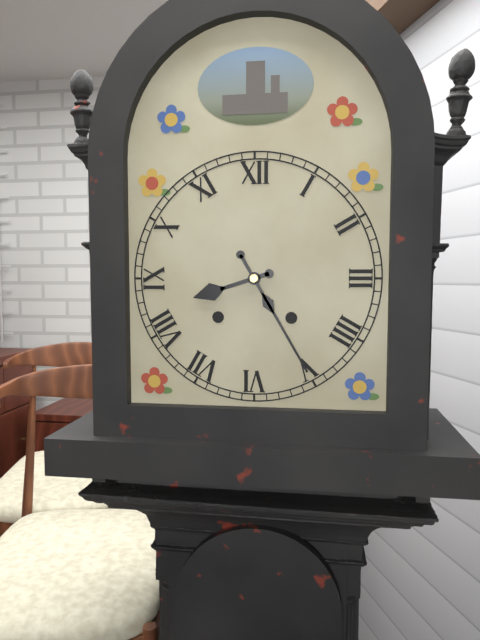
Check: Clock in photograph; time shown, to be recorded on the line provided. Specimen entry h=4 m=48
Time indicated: h=8 m=25
